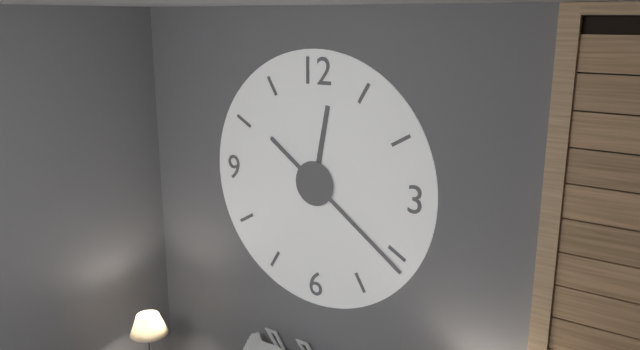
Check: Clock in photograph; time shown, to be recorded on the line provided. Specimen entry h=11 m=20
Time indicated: h=12 m=21
